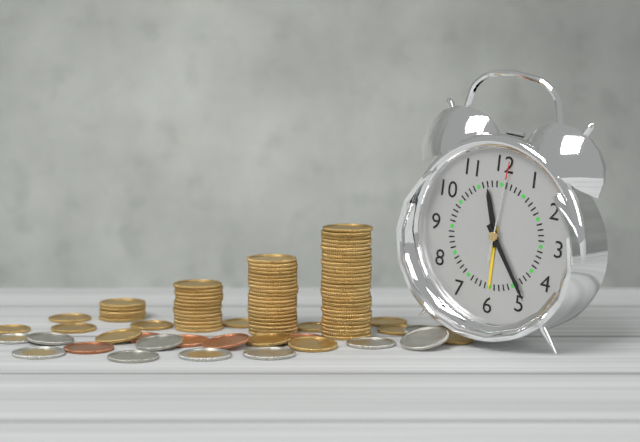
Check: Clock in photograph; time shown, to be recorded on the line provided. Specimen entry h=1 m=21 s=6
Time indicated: h=11 m=24 s=1
